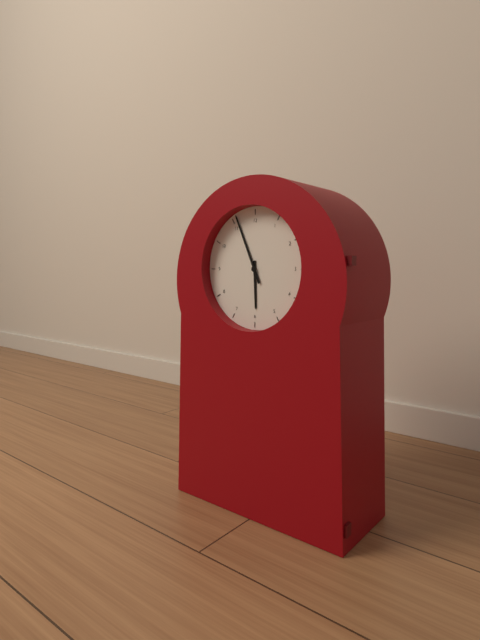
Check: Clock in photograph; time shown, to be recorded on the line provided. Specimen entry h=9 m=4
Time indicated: h=5 m=56
